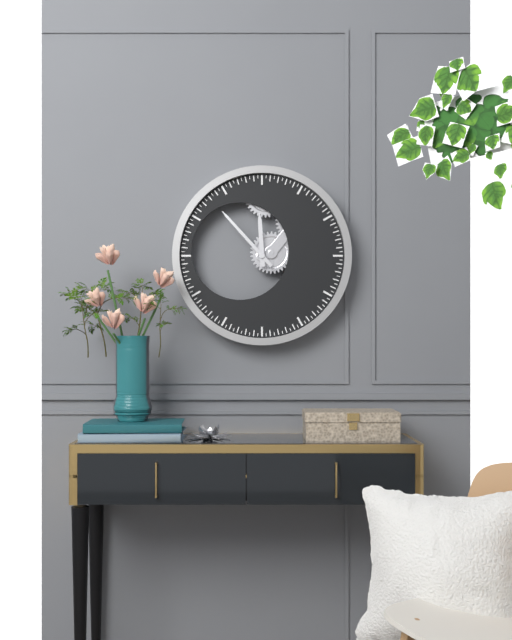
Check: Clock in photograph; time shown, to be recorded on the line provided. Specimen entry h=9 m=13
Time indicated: h=11 m=53
